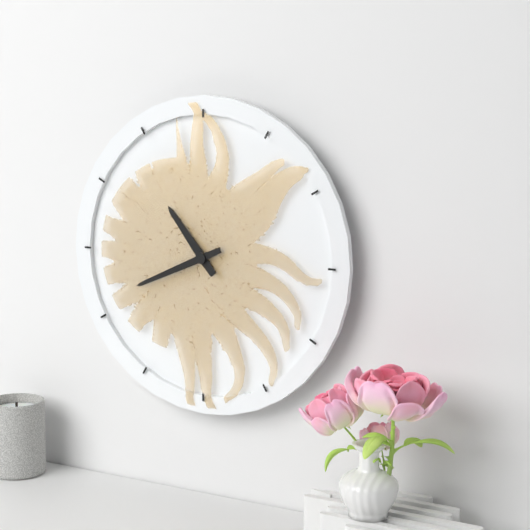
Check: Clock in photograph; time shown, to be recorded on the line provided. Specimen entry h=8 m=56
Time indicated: h=10 m=41
